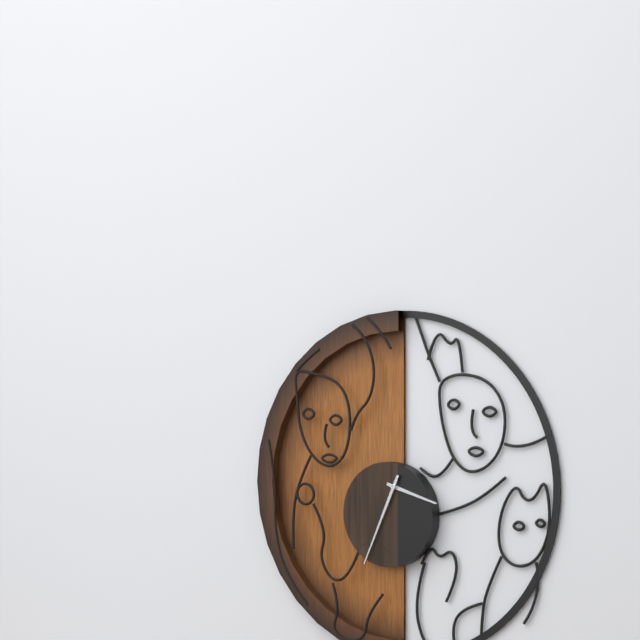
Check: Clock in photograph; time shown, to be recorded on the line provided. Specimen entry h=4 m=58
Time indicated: h=3 m=34
